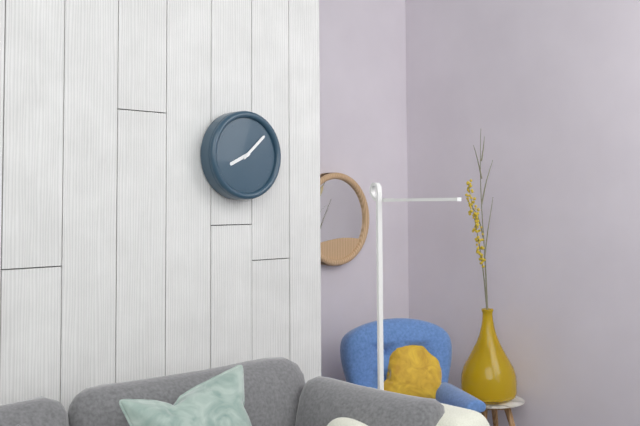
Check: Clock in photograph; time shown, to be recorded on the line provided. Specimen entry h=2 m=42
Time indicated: h=8 m=8
